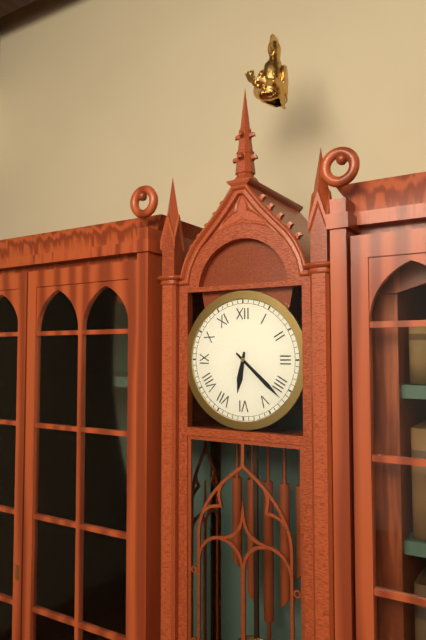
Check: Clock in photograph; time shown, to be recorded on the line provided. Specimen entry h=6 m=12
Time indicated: h=6 m=22
